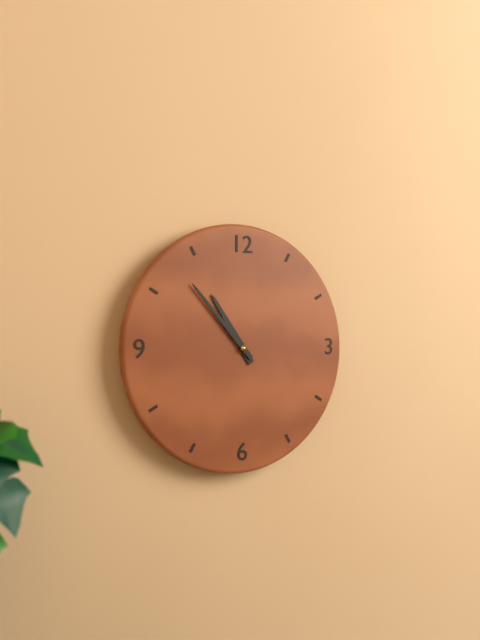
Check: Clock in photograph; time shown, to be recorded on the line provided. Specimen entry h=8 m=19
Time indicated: h=10 m=53
